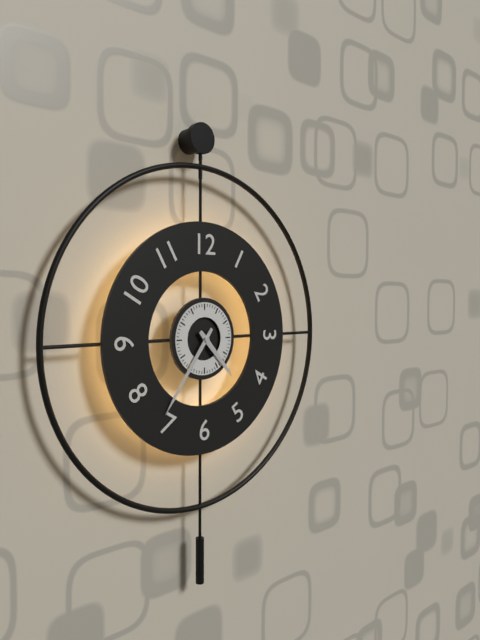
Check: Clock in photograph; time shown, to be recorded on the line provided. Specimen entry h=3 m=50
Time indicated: h=4 m=36
